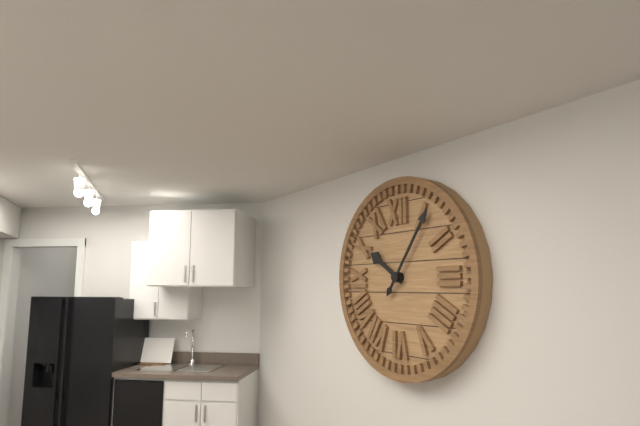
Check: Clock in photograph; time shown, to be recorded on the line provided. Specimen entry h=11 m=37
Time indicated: h=10 m=6
